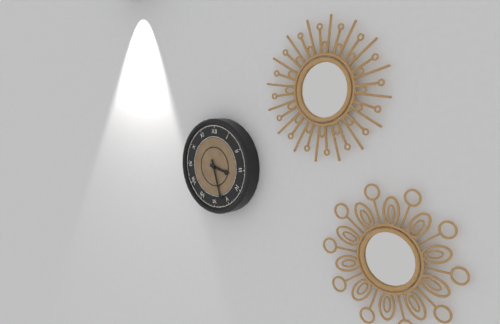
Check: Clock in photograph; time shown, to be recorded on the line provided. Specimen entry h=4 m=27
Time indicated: h=3 m=27
